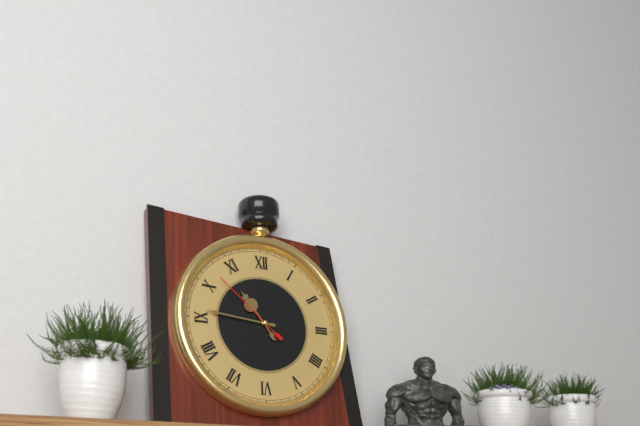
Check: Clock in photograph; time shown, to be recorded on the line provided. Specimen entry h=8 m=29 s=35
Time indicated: h=10 m=46 s=52
